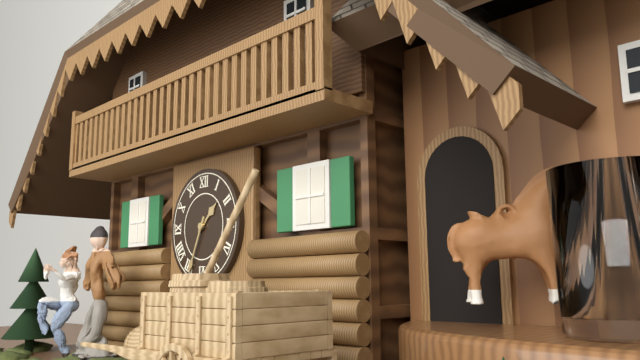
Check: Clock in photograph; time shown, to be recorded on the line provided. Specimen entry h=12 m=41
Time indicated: h=1 m=34
